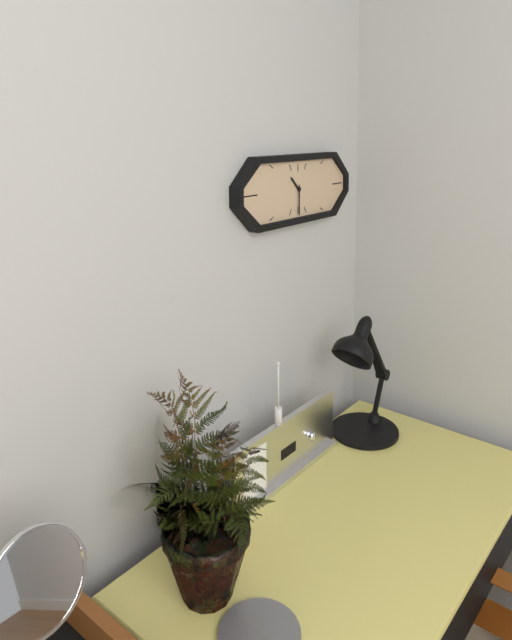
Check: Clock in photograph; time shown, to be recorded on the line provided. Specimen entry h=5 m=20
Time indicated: h=10 m=30
